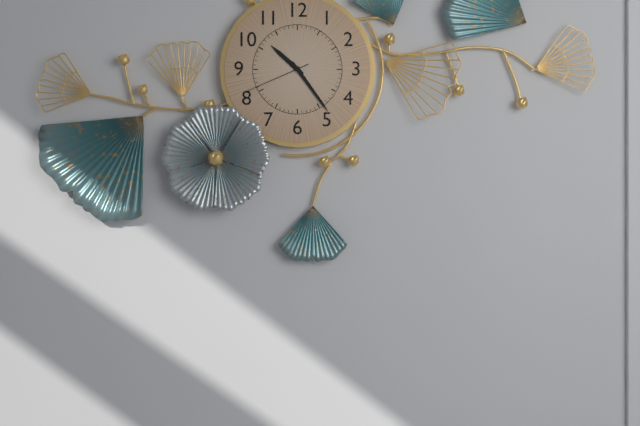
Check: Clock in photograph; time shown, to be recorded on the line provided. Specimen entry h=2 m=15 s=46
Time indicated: h=10 m=24 s=41
